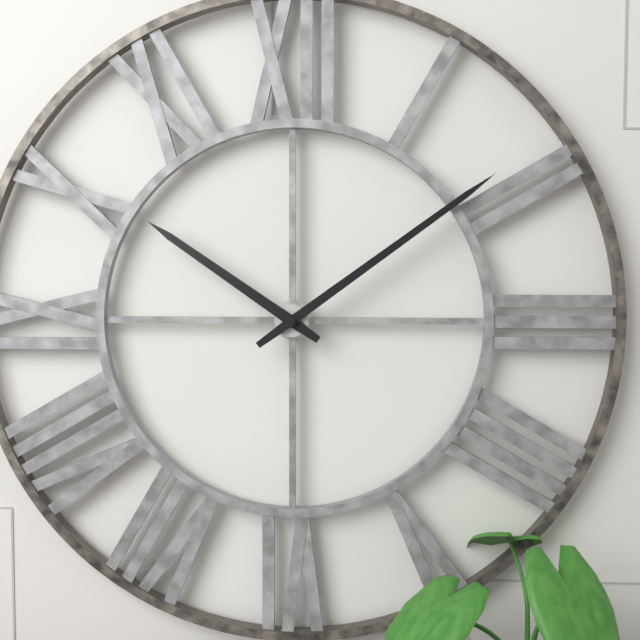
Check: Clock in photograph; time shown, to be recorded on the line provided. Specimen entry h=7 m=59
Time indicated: h=10 m=9
